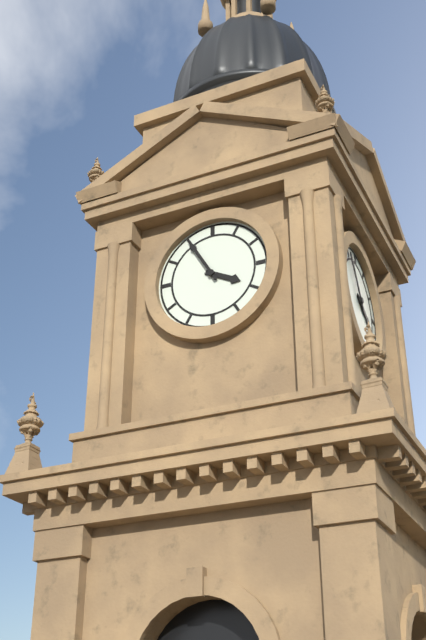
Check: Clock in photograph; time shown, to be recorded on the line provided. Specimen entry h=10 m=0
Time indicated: h=3 m=55
